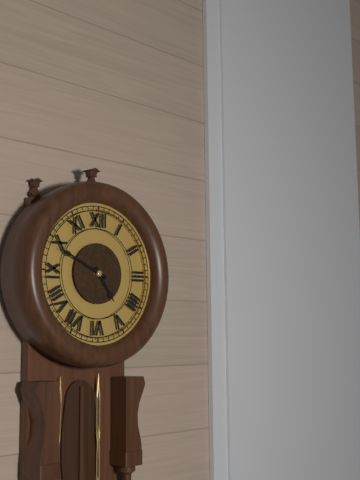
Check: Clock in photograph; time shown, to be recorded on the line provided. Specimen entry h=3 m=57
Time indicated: h=4 m=49
